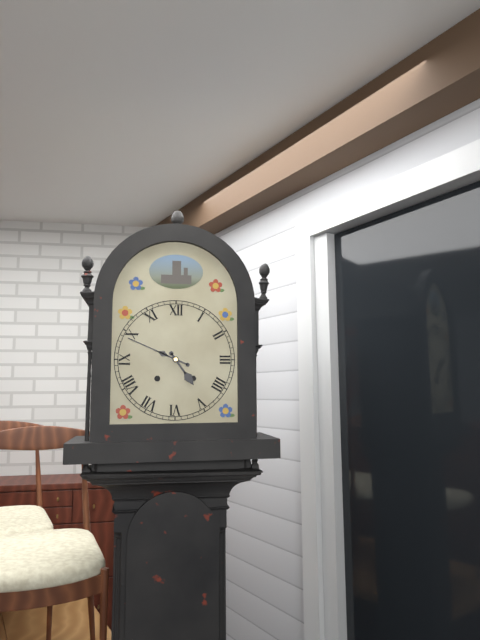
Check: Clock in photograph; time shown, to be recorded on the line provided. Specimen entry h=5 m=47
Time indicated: h=4 m=49
